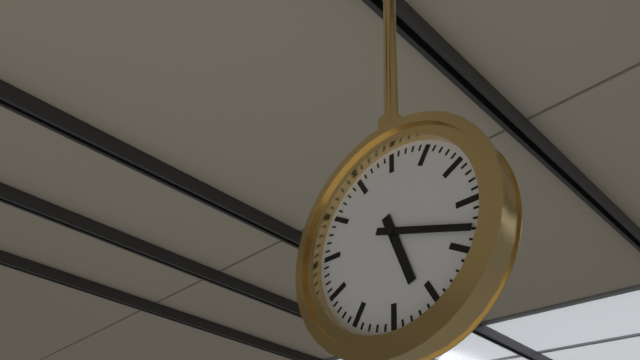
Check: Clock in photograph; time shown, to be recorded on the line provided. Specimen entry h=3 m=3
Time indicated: h=5 m=18
